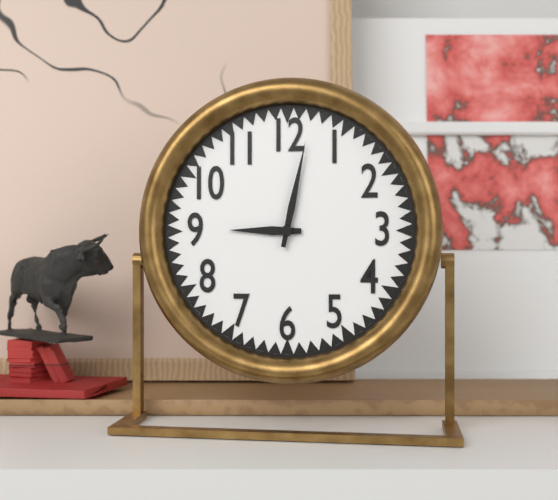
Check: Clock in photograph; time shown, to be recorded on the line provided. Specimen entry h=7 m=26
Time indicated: h=9 m=2
